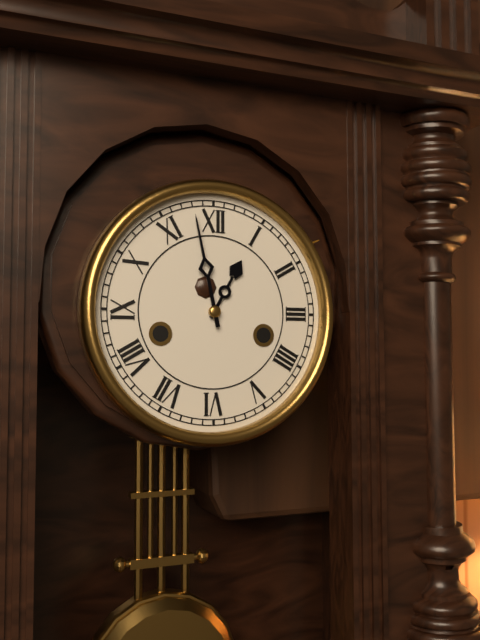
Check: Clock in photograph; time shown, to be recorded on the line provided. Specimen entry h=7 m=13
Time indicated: h=12 m=58
